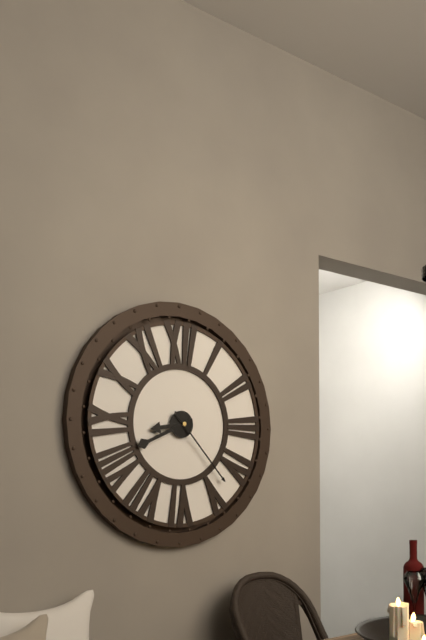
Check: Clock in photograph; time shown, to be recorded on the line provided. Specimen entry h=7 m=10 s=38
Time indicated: h=8 m=41 s=23
